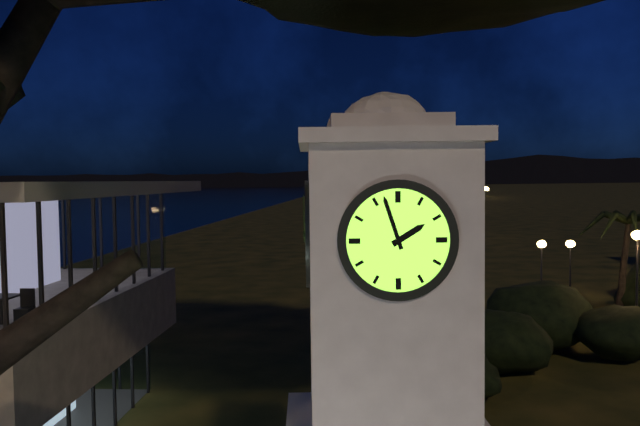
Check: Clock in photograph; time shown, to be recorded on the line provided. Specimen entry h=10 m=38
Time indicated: h=1 m=57
